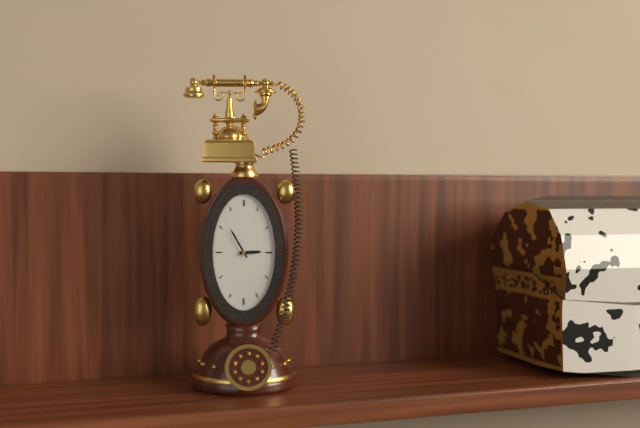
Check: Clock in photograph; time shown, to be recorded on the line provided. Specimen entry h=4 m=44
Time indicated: h=2 m=55
